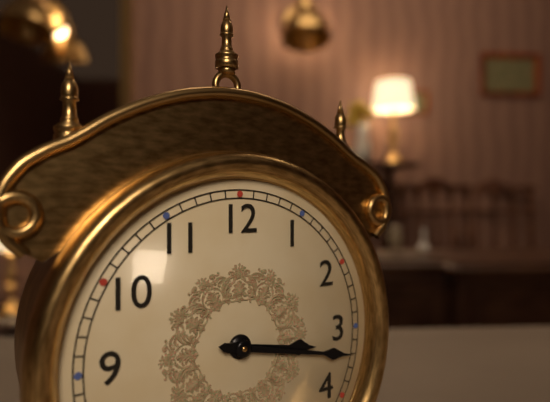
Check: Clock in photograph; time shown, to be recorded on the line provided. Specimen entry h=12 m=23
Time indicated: h=3 m=17
